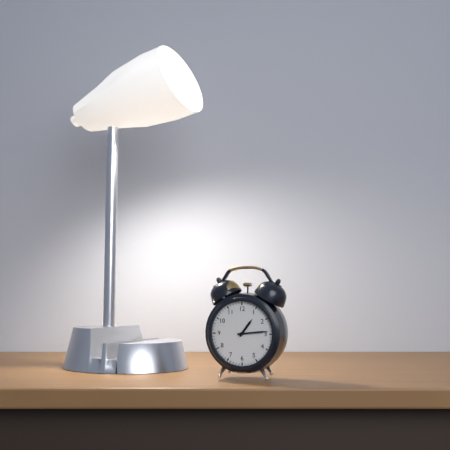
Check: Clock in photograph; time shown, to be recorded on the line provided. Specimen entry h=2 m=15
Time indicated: h=1 m=14
